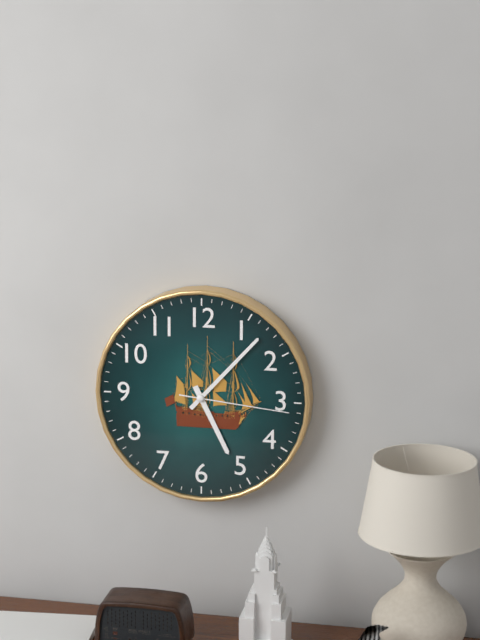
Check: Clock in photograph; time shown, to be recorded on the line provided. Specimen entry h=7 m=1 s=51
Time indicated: h=5 m=7 s=16
